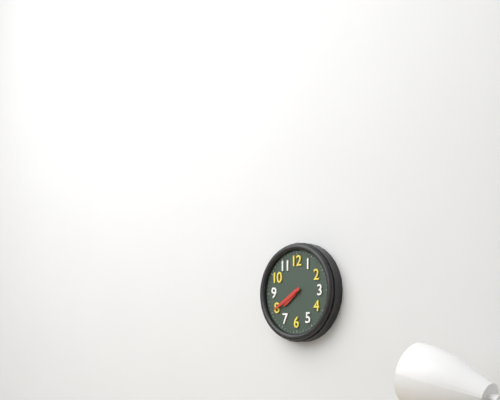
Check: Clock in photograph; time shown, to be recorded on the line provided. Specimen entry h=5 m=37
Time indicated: h=7 m=40
